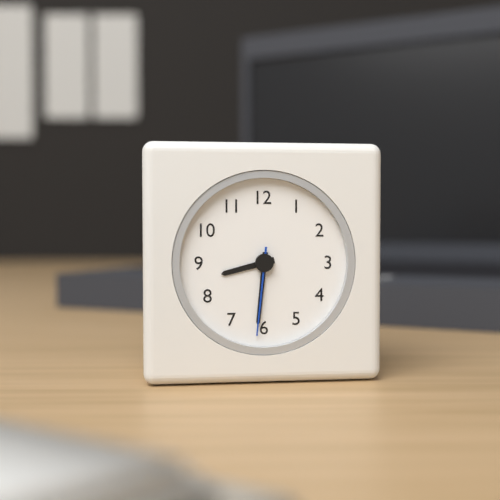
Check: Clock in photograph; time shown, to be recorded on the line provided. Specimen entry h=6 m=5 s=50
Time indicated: h=8 m=31 s=31
